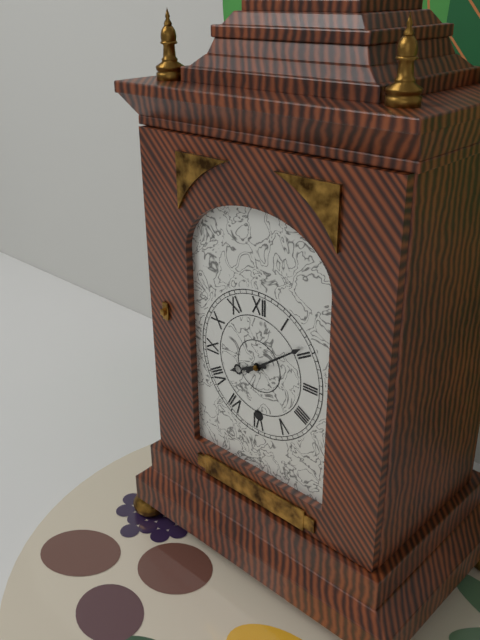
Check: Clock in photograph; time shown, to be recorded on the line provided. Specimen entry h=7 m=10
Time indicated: h=8 m=9
